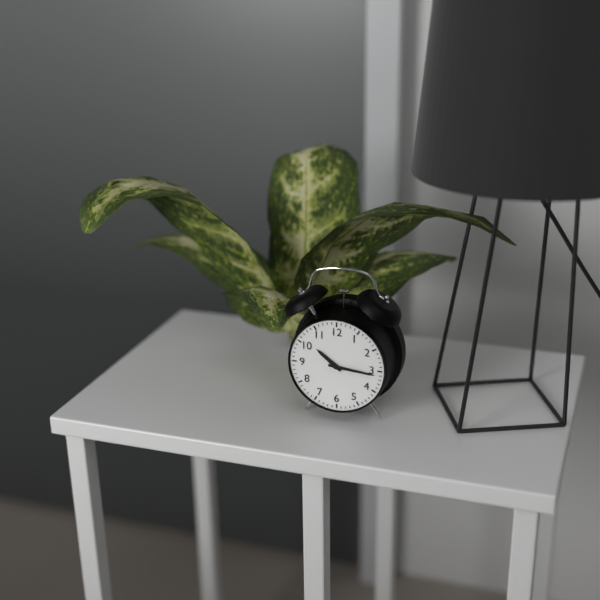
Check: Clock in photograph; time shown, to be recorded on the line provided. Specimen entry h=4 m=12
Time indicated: h=10 m=16
